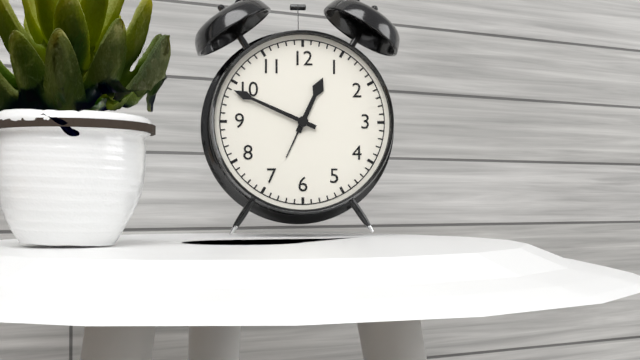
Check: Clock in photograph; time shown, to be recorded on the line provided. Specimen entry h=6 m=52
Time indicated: h=12 m=49
